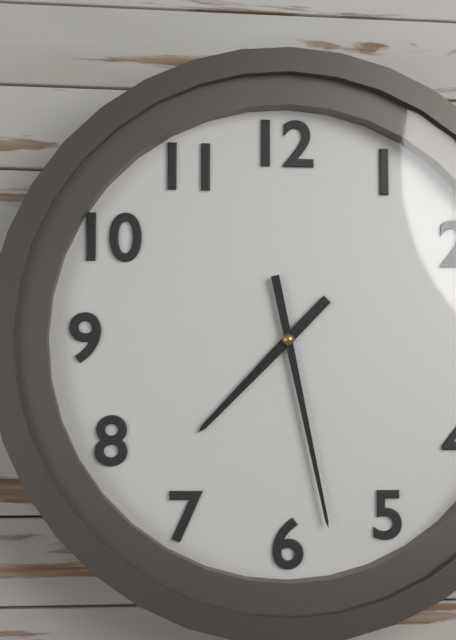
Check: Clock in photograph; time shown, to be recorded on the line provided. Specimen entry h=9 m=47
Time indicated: h=7 m=28
